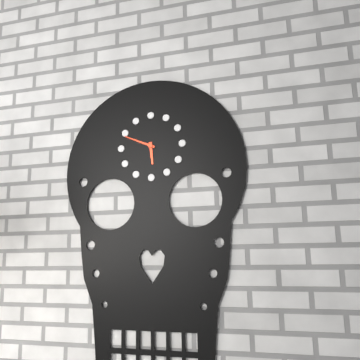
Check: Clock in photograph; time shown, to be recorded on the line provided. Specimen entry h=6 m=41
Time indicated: h=5 m=49
